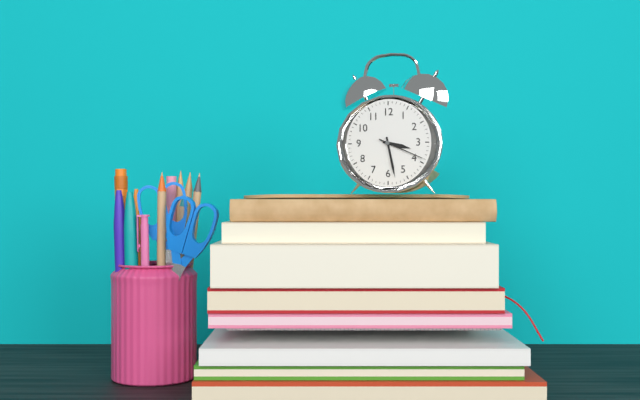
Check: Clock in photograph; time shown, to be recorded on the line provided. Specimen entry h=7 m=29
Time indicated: h=3 m=28
